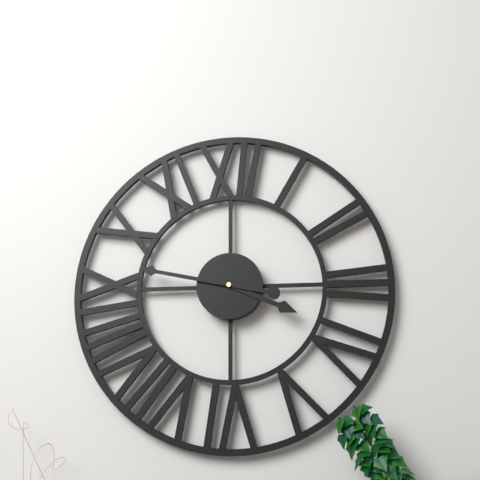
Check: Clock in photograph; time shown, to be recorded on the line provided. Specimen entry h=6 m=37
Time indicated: h=3 m=47
